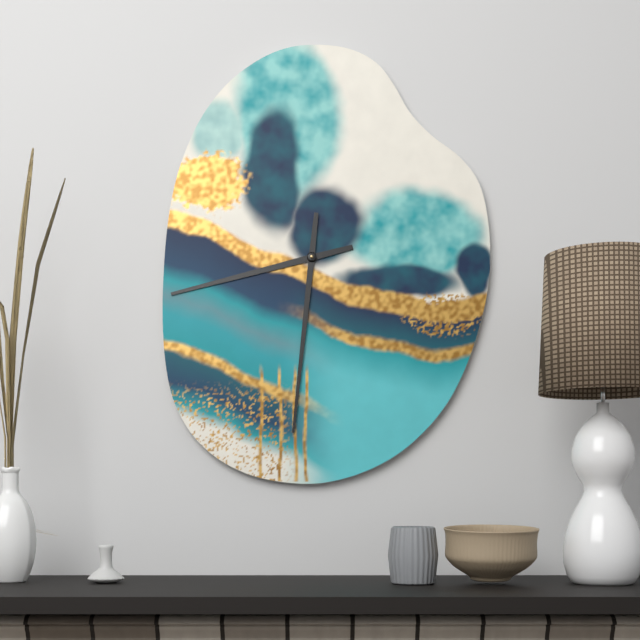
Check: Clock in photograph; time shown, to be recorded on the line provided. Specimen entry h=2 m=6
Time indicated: h=8 m=31
